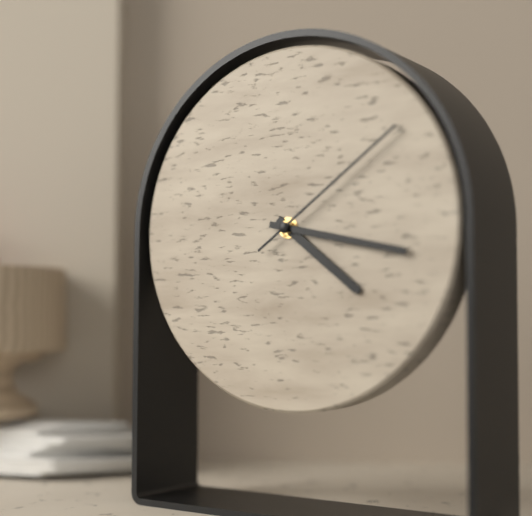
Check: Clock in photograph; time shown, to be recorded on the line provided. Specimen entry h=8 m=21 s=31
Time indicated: h=4 m=17 s=9
